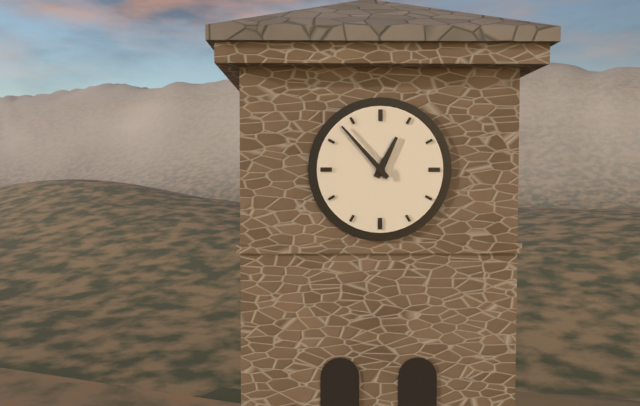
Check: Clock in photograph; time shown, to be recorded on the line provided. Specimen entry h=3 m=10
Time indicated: h=12 m=53
